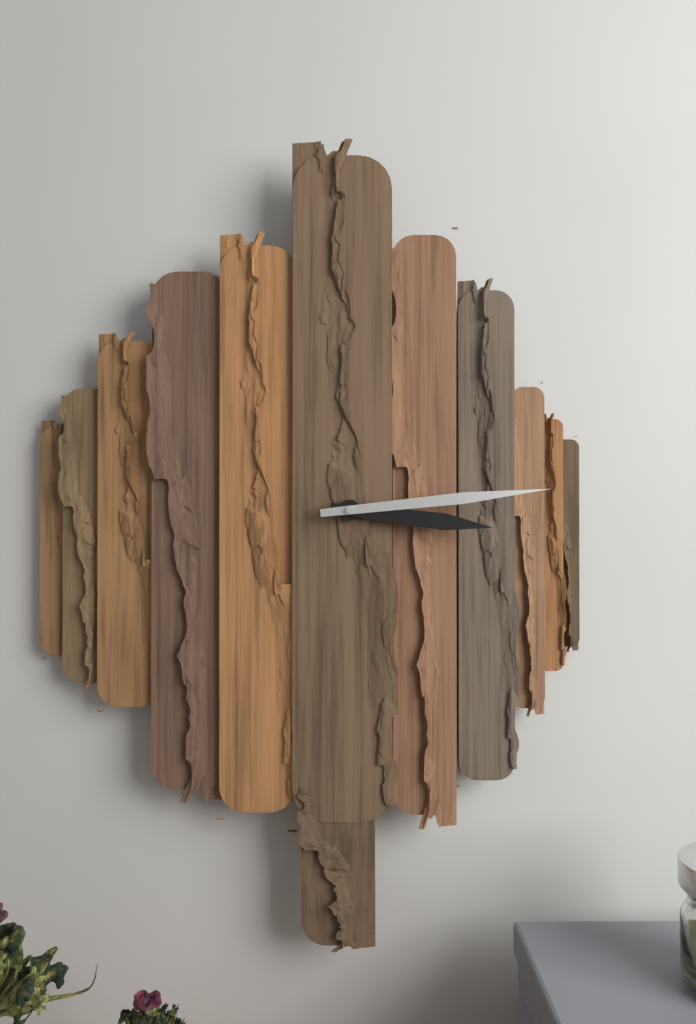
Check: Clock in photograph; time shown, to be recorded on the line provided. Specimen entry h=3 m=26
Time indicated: h=3 m=14
